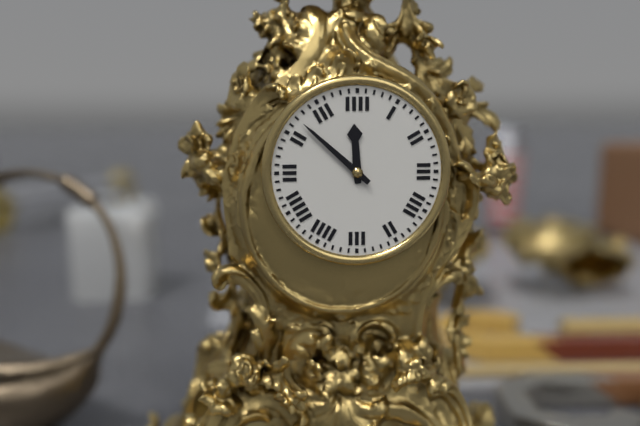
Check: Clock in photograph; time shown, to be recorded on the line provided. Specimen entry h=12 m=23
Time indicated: h=11 m=52
